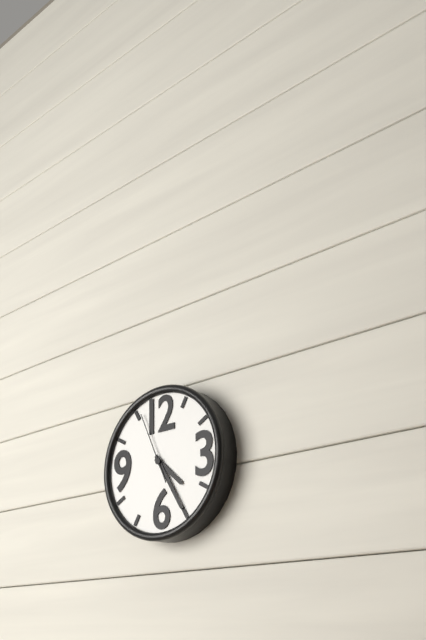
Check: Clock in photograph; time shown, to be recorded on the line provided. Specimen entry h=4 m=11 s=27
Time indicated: h=4 m=25 s=56
